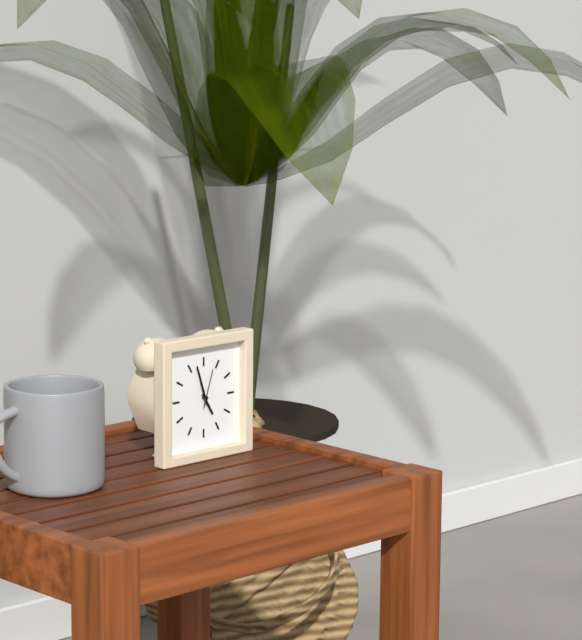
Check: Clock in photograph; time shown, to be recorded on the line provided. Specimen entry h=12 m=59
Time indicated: h=4 m=57
